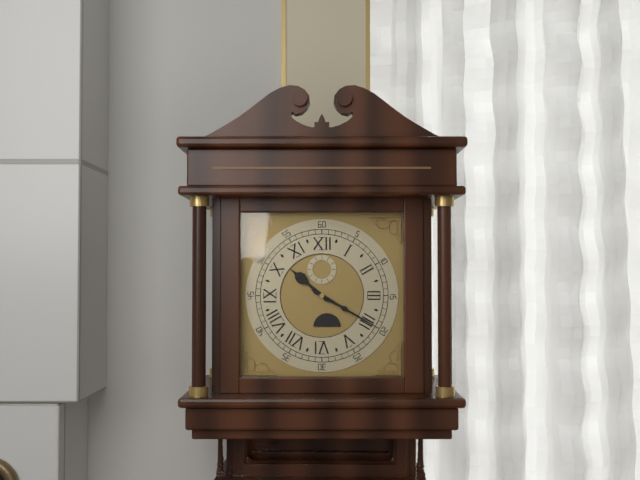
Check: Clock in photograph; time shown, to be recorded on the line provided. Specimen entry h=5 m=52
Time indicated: h=10 m=20
